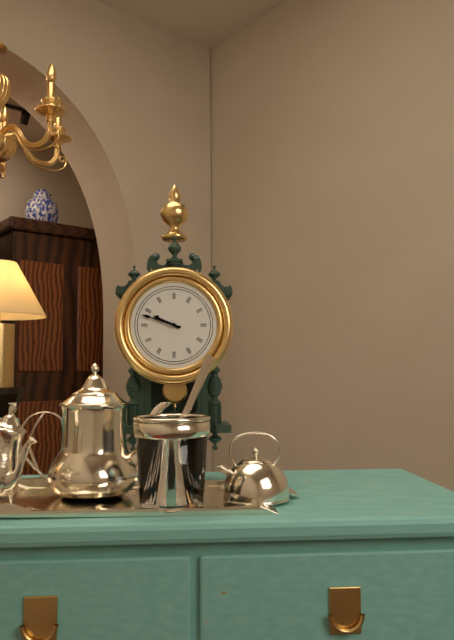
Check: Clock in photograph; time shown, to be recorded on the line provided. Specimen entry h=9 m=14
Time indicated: h=9 m=48
